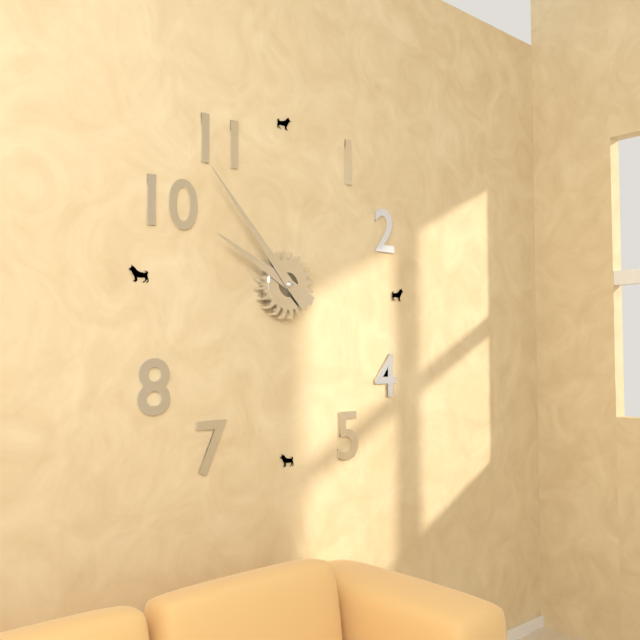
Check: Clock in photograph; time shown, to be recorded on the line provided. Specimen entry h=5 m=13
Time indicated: h=9 m=53
